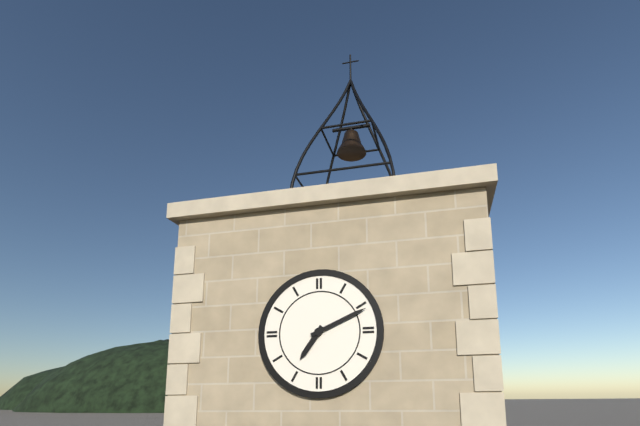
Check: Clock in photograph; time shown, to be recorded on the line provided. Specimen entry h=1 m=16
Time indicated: h=7 m=11
